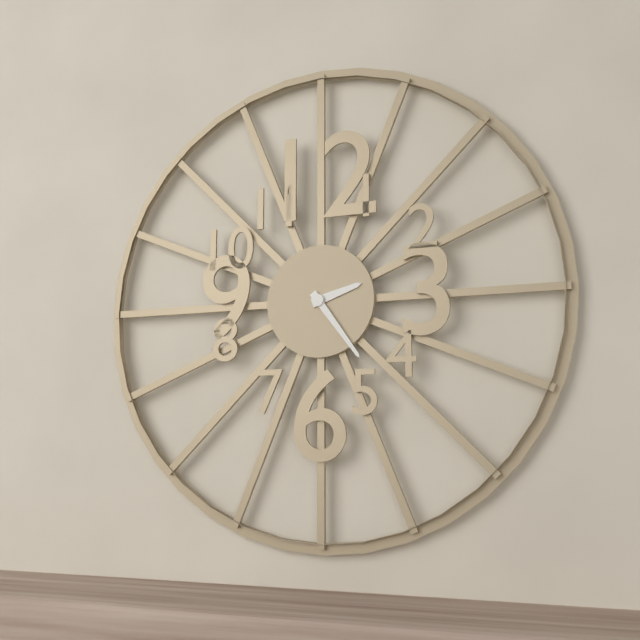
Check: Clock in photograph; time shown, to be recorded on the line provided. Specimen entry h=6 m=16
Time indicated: h=2 m=24
